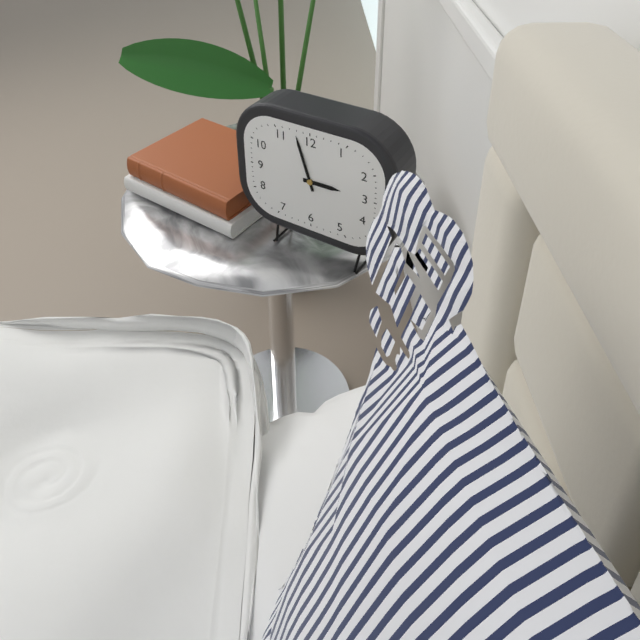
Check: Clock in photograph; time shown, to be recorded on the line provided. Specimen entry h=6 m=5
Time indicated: h=2 m=57
